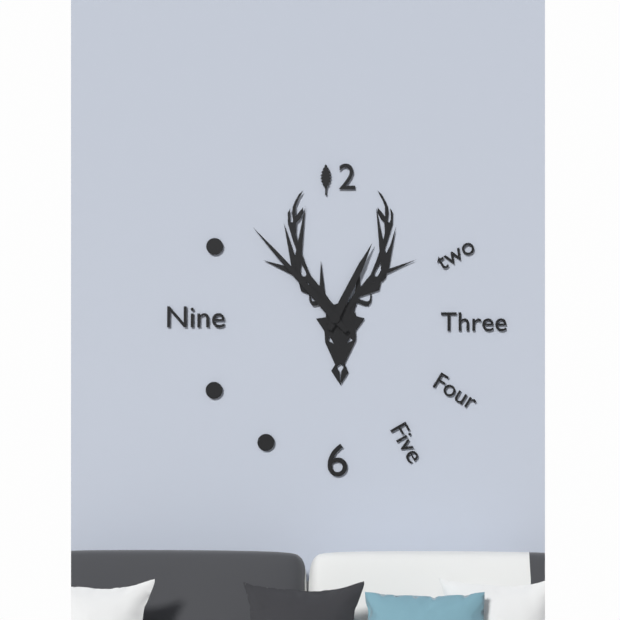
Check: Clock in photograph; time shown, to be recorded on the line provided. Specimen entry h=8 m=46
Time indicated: h=12 m=53
